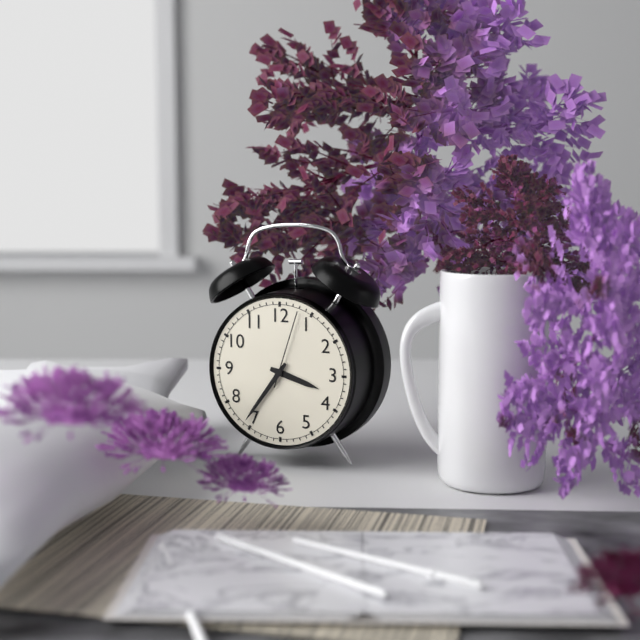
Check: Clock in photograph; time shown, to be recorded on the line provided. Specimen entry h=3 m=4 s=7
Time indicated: h=3 m=36 s=3
